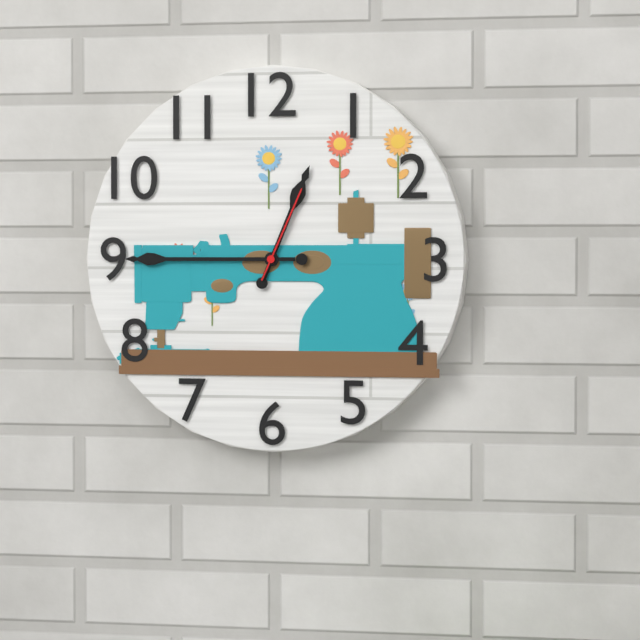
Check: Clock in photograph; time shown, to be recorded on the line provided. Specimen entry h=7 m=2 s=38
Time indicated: h=12 m=45 s=4
